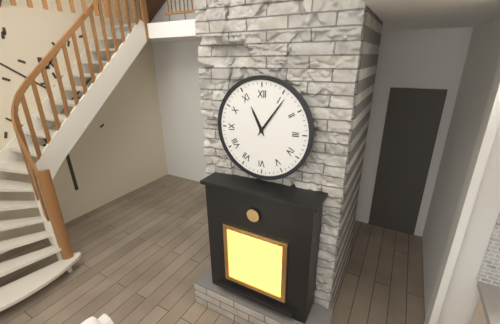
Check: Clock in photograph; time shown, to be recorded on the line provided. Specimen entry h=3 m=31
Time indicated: h=11 m=6
